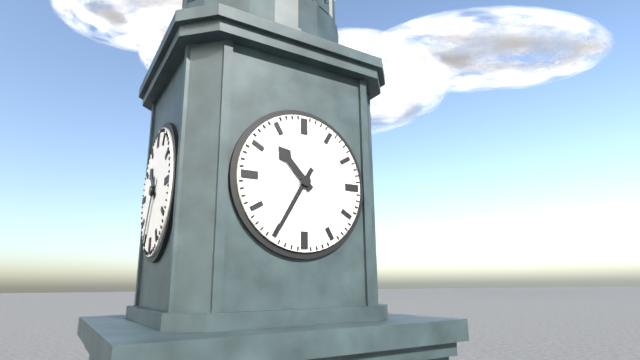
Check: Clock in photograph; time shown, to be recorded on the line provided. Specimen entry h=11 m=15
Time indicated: h=10 m=35
